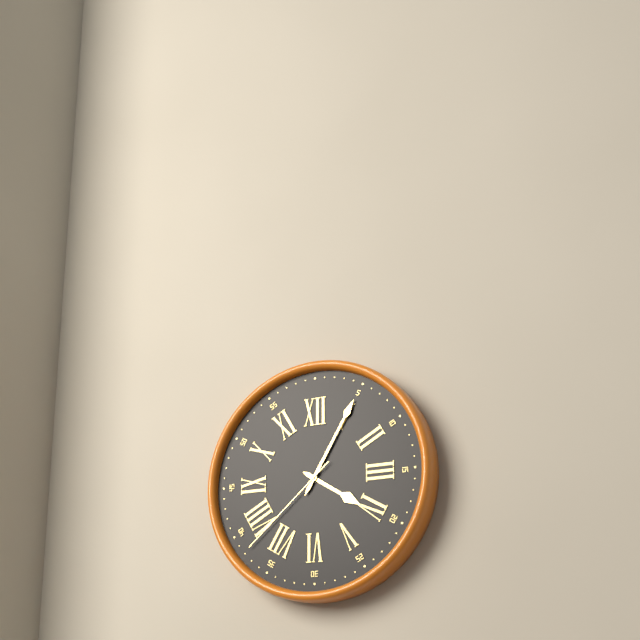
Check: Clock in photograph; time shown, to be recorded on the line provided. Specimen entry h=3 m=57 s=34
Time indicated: h=4 m=5 s=38
